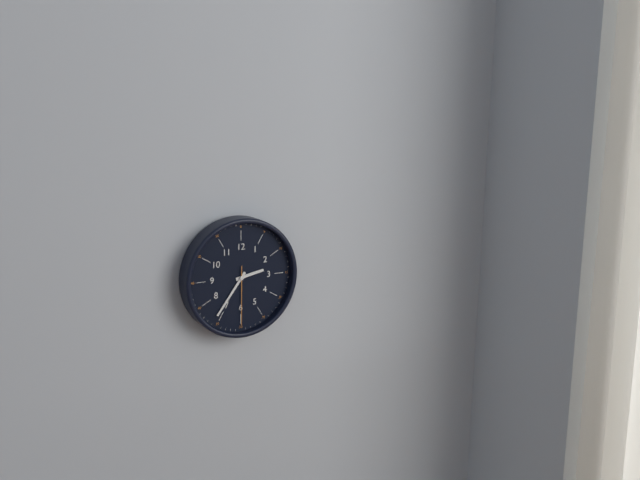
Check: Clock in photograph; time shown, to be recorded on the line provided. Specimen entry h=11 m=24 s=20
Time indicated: h=2 m=36 s=30
